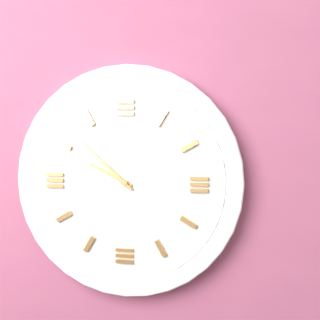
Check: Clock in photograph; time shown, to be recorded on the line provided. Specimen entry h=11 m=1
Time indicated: h=9 m=52
